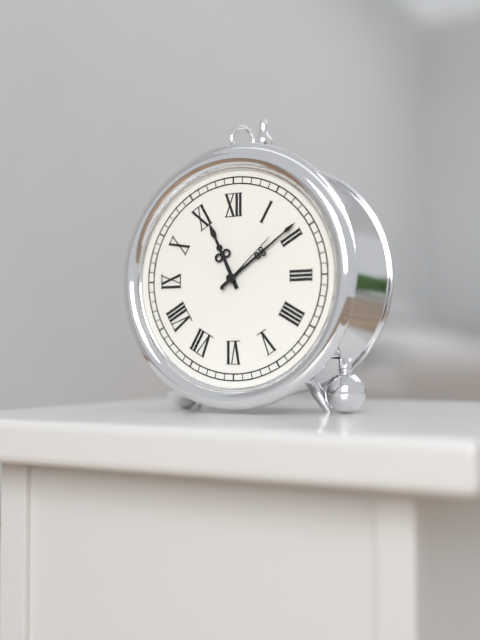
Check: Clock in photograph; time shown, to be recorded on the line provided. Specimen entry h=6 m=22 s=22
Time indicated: h=11 m=9 s=8
